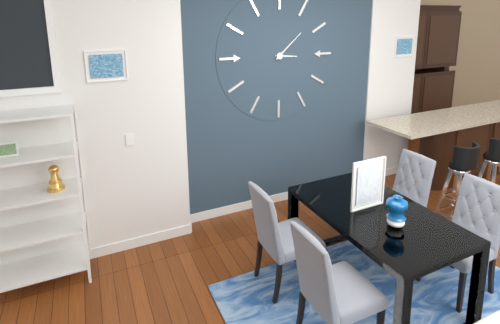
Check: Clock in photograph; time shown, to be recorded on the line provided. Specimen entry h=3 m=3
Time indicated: h=3 m=8
